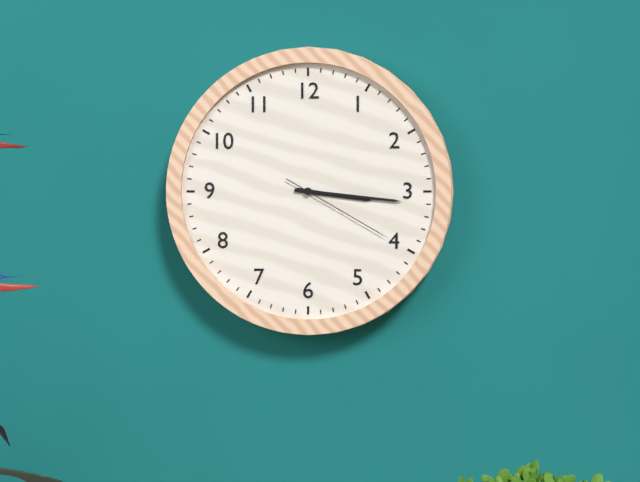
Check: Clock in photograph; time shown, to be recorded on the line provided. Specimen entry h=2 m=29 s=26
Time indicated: h=3 m=16 s=20
